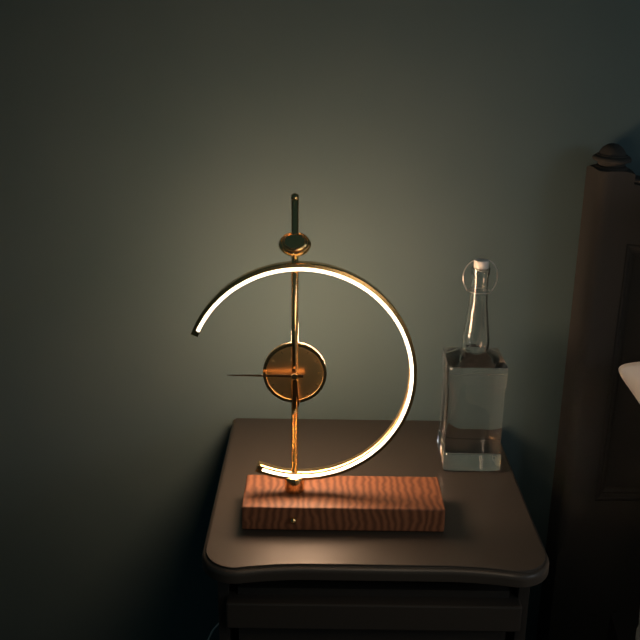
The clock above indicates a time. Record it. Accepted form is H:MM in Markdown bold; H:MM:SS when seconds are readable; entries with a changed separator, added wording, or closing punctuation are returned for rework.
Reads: **5:45**
